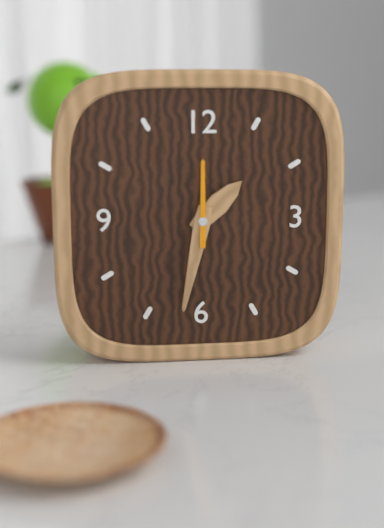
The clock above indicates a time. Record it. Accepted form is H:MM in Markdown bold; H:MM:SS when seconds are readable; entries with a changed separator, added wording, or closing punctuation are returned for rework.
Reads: **1:32:00**
